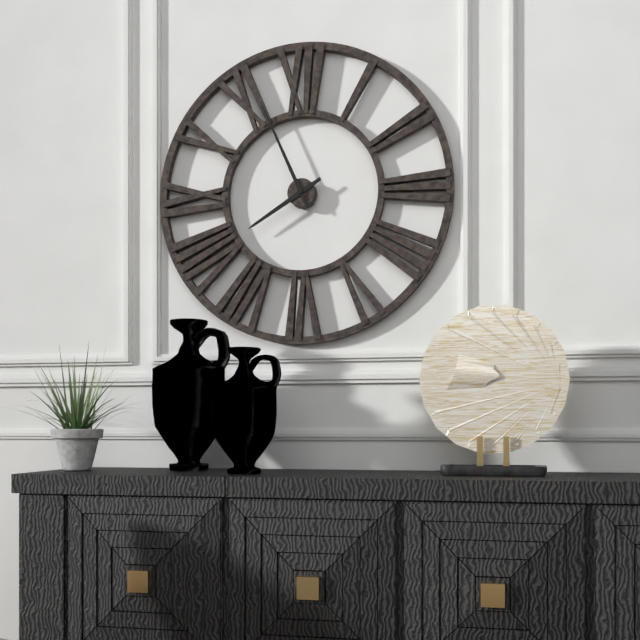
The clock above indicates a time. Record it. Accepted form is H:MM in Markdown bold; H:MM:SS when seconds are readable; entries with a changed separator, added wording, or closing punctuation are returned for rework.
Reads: **7:56**
